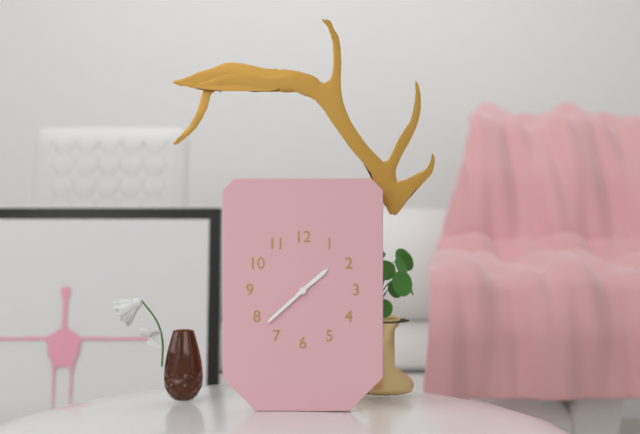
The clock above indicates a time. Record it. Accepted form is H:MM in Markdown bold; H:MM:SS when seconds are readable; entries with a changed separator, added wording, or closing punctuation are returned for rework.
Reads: **1:38**
